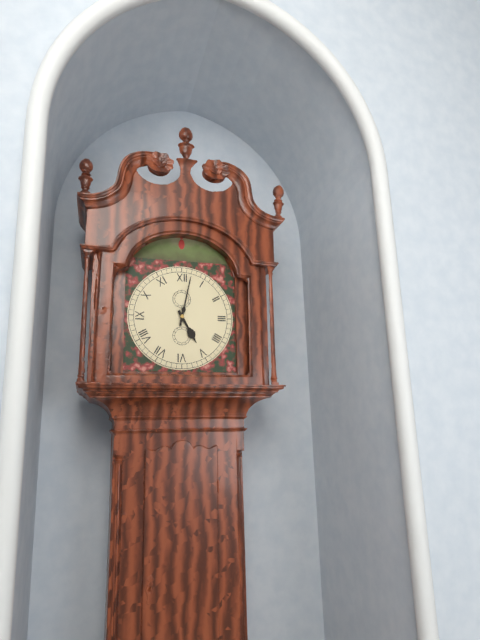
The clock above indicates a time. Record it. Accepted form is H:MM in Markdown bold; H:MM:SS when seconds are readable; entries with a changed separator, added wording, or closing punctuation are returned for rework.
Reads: **5:02**
